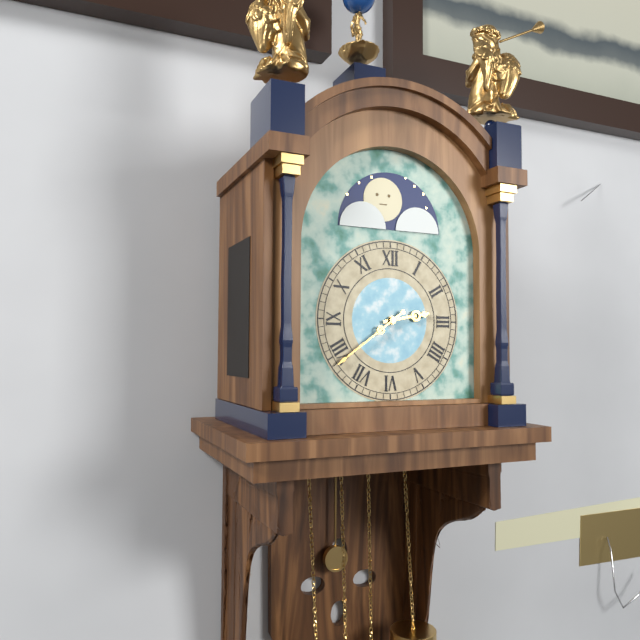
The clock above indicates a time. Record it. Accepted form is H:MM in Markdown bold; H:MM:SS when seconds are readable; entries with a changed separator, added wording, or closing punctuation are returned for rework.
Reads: **2:39**
